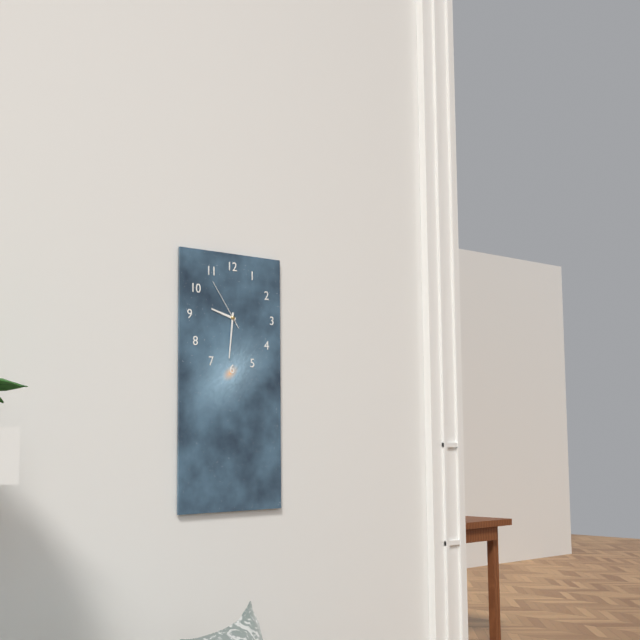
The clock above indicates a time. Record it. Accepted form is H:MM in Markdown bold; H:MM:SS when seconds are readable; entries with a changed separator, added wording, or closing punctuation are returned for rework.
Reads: **9:31:54**
